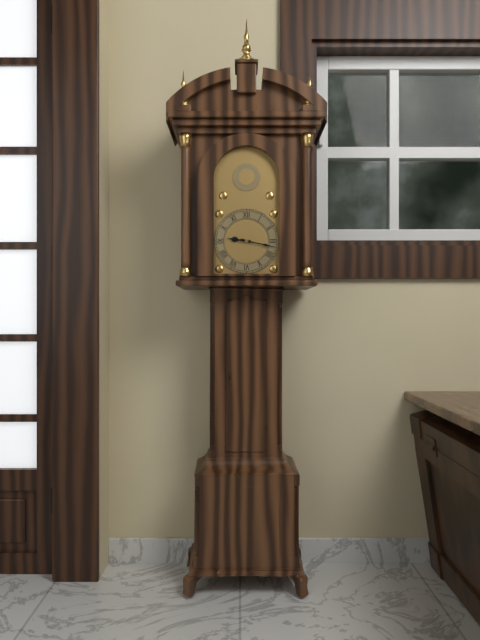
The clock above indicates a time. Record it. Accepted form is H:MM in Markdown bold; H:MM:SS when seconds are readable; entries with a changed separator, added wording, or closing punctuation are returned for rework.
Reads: **9:17**
